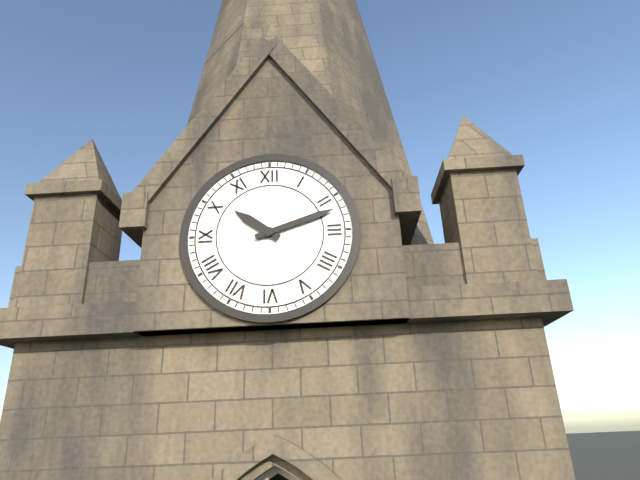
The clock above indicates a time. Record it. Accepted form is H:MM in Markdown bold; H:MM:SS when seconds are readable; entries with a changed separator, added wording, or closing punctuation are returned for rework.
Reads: **10:12**
